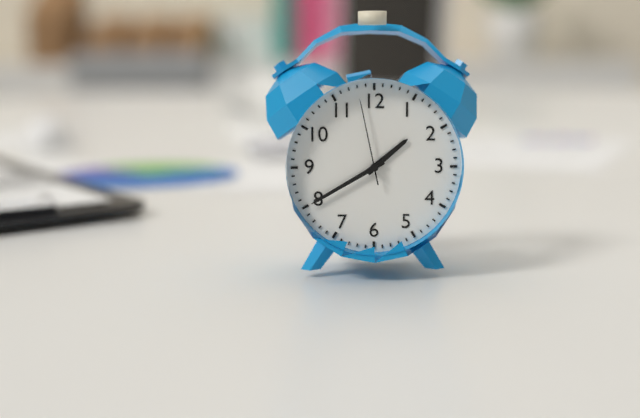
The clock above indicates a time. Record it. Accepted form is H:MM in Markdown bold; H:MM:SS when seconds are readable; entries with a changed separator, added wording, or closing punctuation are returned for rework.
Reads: **1:40:58**
